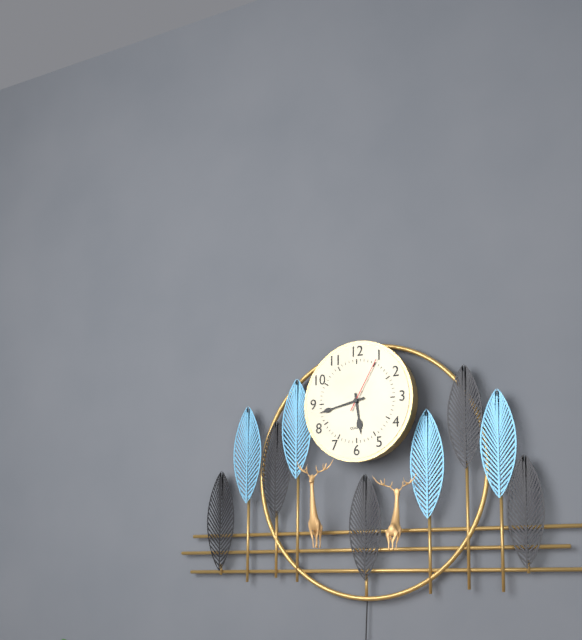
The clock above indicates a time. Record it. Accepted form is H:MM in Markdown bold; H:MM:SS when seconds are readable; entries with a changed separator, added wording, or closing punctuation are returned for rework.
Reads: **5:43:05**
